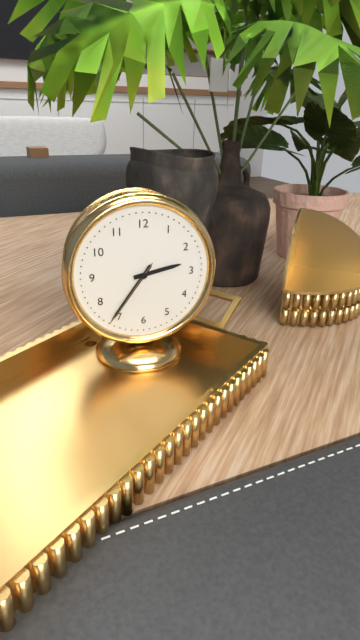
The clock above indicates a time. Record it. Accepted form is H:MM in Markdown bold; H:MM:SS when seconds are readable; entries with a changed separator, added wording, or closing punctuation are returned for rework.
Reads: **2:36:36**
